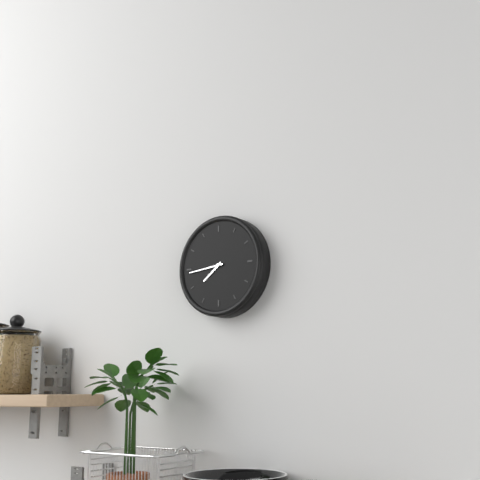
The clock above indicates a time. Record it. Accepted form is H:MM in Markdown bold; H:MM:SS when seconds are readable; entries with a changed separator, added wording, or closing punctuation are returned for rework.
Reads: **7:44**
